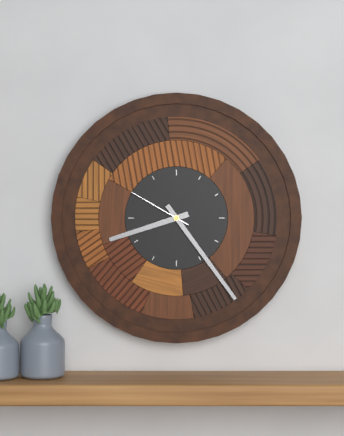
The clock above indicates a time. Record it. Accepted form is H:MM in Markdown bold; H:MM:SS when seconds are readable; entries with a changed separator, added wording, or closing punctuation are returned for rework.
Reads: **8:24:50**
